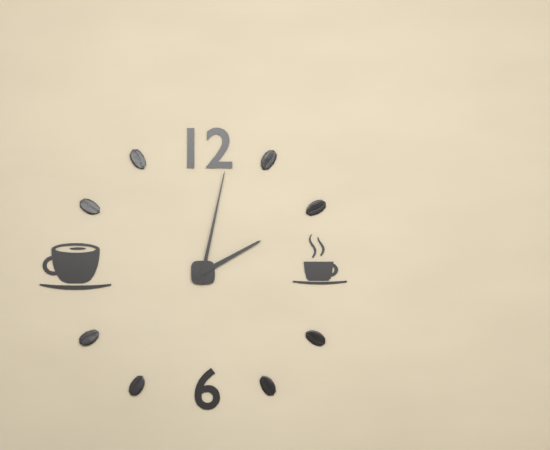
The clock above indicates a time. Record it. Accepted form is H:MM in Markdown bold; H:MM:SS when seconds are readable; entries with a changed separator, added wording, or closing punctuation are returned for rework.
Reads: **2:02**
